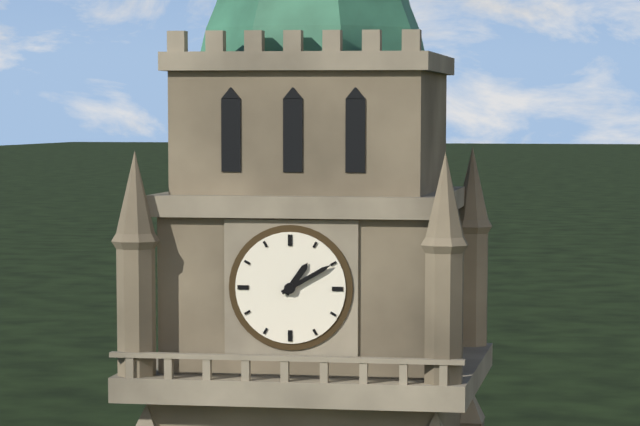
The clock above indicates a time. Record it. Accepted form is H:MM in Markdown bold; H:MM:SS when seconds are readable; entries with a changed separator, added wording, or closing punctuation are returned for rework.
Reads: **1:10**
